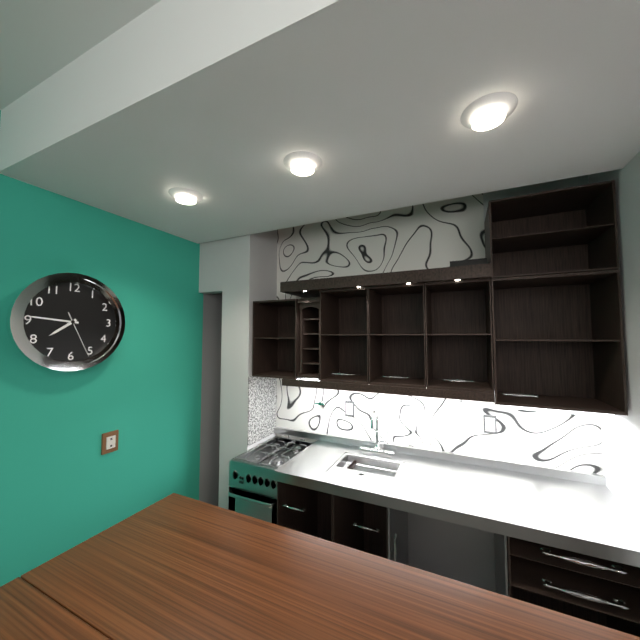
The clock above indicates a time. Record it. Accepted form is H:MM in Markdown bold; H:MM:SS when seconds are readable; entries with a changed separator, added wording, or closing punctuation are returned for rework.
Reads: **7:46**
